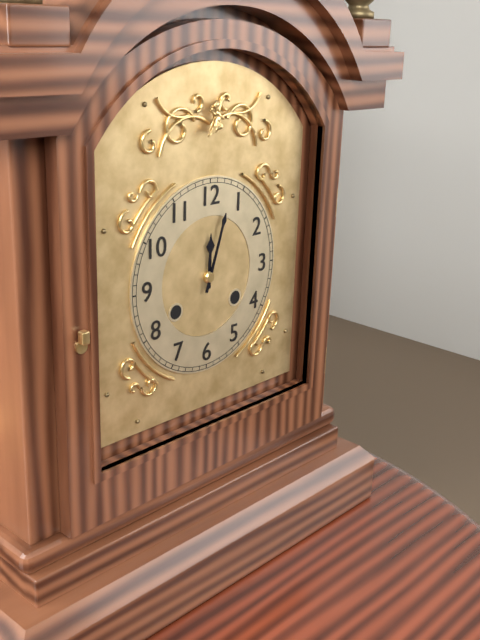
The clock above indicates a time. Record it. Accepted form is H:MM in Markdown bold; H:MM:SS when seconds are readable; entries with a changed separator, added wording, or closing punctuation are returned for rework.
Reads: **12:03**
